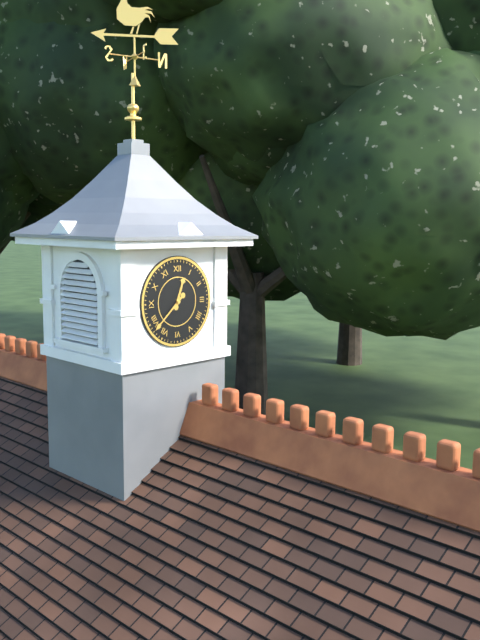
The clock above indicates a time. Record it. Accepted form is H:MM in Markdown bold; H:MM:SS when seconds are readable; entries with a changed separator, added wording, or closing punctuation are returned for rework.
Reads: **12:38**
